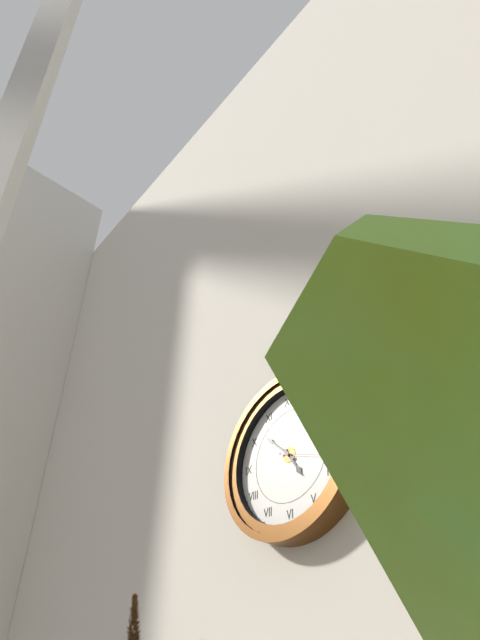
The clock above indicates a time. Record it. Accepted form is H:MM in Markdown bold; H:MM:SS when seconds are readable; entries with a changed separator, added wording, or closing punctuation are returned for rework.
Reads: **4:52**
